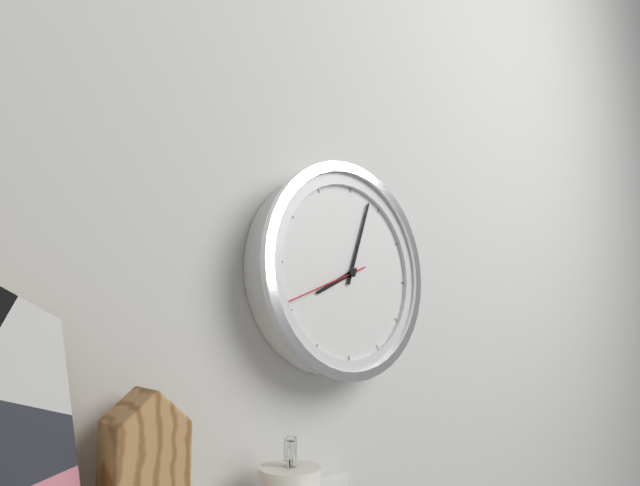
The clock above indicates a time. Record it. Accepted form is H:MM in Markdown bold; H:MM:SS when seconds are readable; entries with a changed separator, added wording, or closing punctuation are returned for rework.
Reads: **8:03:41**
